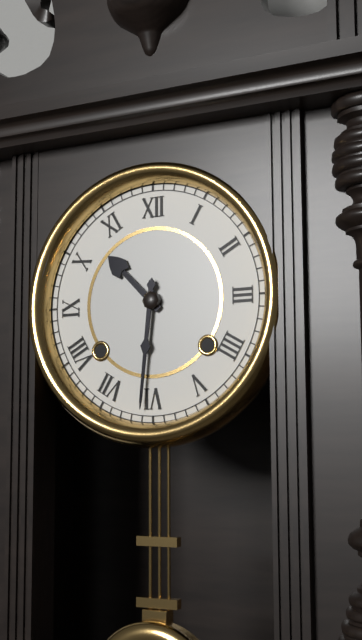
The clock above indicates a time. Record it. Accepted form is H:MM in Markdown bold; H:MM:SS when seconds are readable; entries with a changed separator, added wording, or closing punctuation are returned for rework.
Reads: **10:31**
